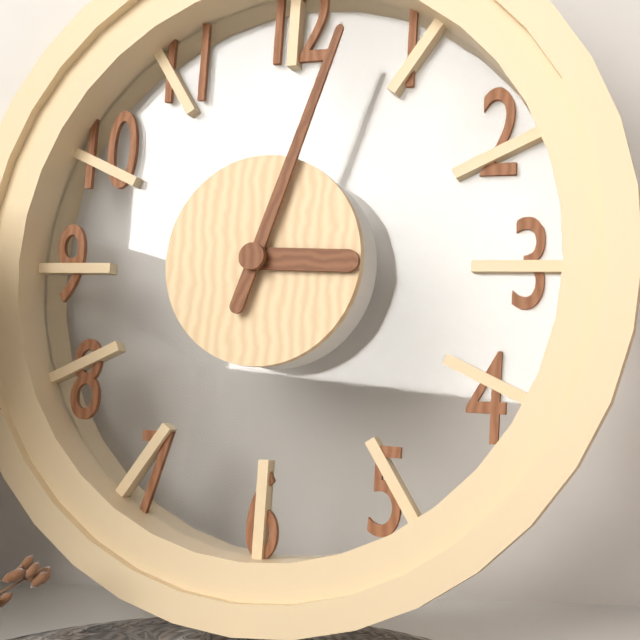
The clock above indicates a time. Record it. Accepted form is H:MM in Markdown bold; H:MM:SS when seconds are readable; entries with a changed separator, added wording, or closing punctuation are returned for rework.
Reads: **3:03**
